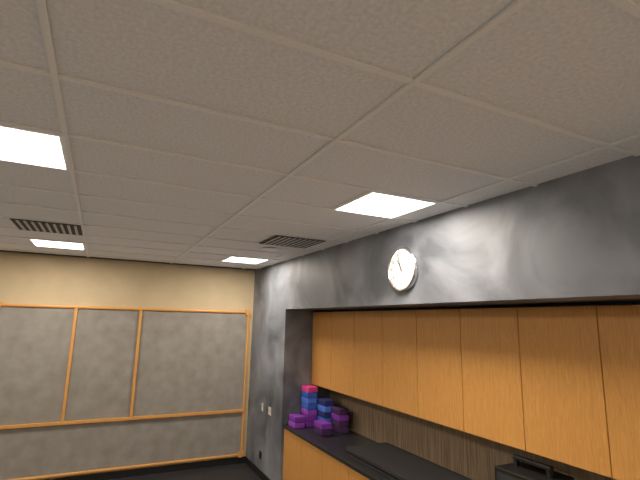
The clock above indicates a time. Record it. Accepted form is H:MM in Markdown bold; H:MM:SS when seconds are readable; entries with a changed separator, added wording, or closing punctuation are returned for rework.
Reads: **10:57**
